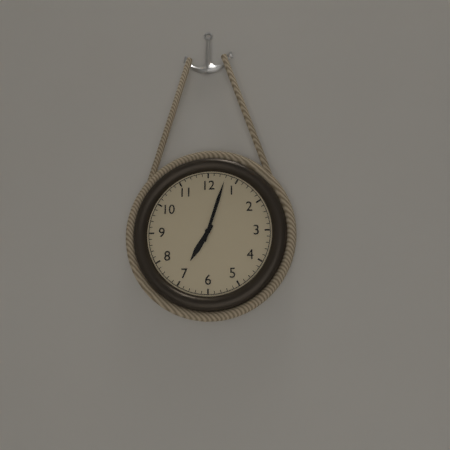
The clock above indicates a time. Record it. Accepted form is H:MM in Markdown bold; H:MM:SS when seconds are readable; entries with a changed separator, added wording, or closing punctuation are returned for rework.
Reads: **7:03**
